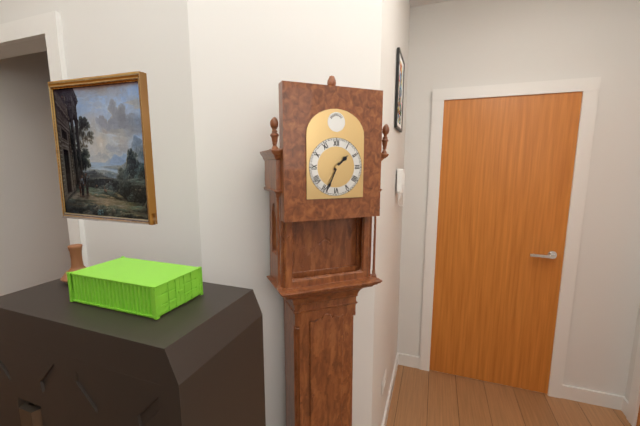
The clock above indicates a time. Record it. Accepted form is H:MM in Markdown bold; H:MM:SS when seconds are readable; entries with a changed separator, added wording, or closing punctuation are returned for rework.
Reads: **1:34**
